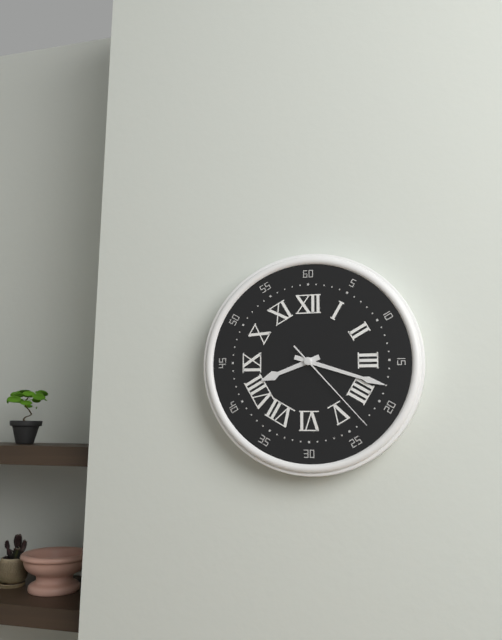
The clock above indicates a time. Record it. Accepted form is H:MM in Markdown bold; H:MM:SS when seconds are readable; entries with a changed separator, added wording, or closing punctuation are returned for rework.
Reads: **8:18:23**
